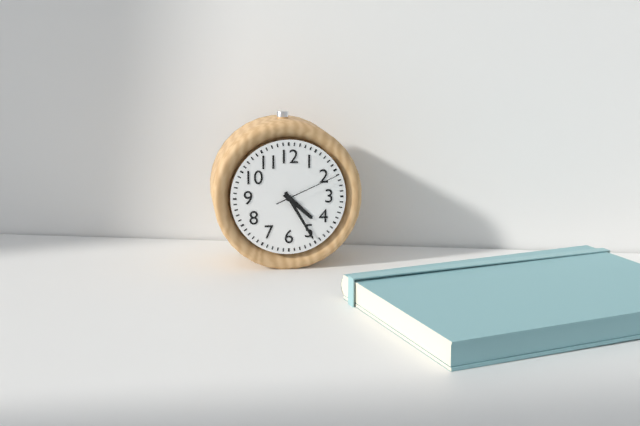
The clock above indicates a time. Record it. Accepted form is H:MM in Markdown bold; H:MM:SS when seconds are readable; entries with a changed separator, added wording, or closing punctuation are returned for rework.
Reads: **4:25:11**
